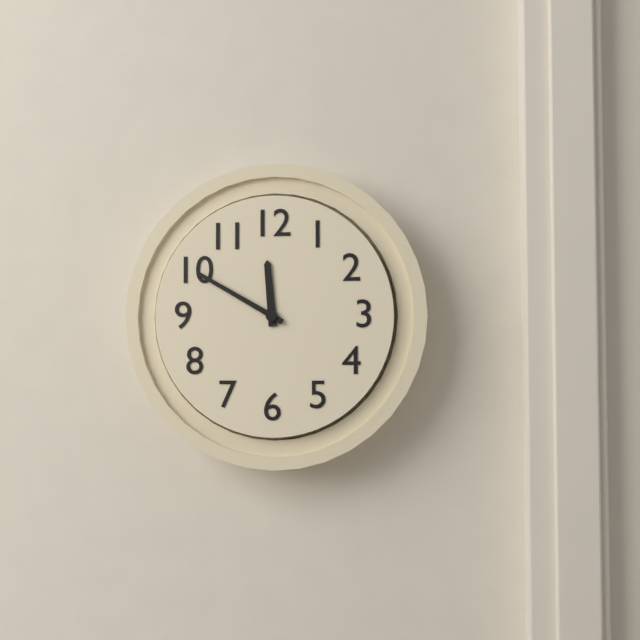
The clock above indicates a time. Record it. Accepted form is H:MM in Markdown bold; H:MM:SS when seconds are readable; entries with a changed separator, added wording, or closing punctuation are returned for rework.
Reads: **11:50**
